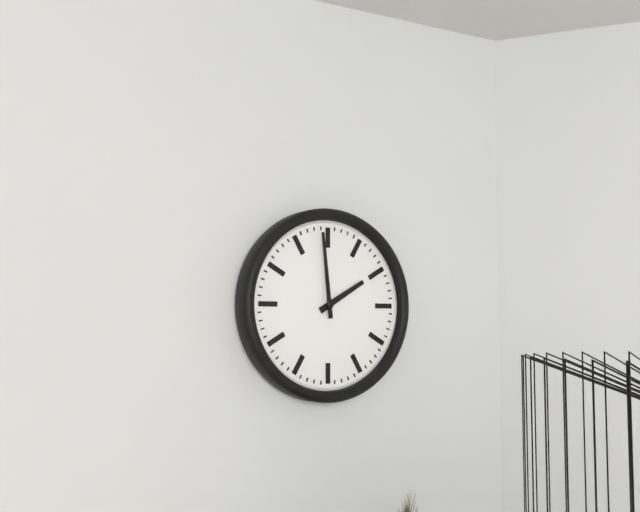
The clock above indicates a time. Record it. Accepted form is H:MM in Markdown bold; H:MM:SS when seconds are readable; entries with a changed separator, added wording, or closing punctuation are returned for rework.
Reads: **1:59**
